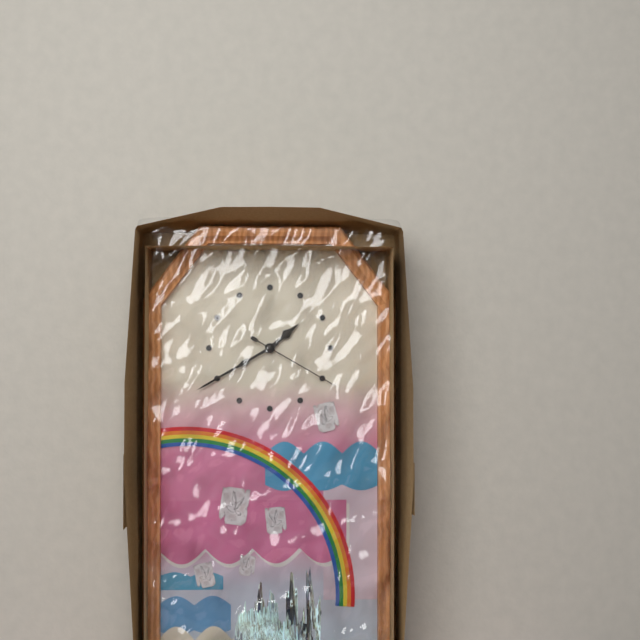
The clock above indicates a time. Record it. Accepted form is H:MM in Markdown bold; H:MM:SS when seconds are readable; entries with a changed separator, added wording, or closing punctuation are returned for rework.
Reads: **1:40:20**
